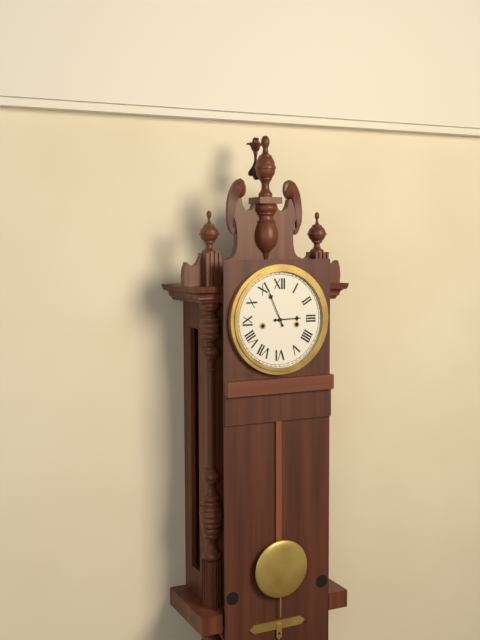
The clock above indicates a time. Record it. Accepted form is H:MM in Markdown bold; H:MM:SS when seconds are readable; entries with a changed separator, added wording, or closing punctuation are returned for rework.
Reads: **2:56**
